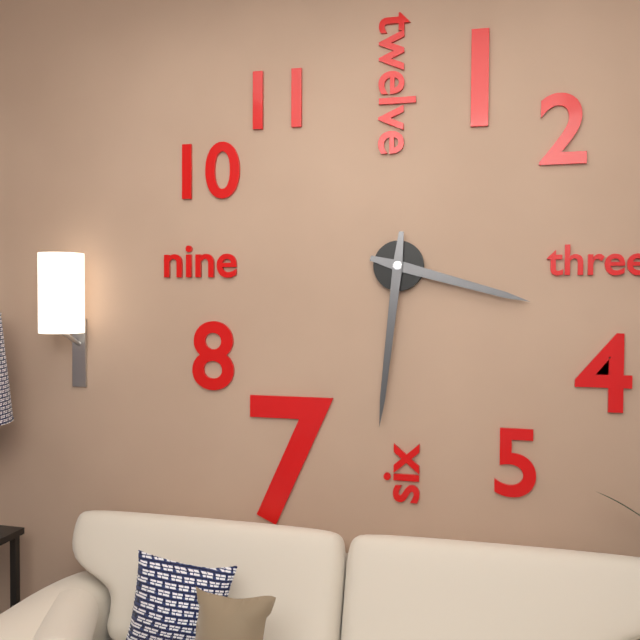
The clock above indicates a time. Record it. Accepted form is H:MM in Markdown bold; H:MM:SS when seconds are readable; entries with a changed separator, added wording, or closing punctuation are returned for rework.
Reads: **3:31**
